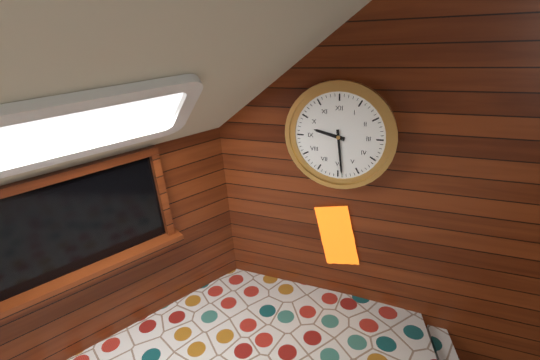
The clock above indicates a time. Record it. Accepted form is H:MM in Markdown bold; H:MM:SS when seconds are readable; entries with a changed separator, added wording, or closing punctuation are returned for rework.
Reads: **9:29**
